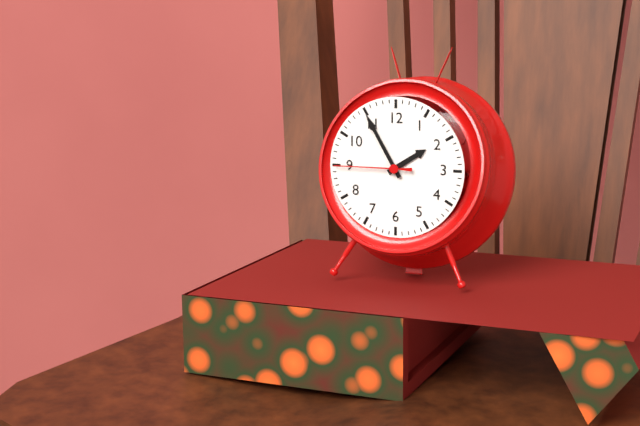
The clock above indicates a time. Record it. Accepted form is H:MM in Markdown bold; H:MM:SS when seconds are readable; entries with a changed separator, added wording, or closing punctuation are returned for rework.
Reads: **1:55:45**
